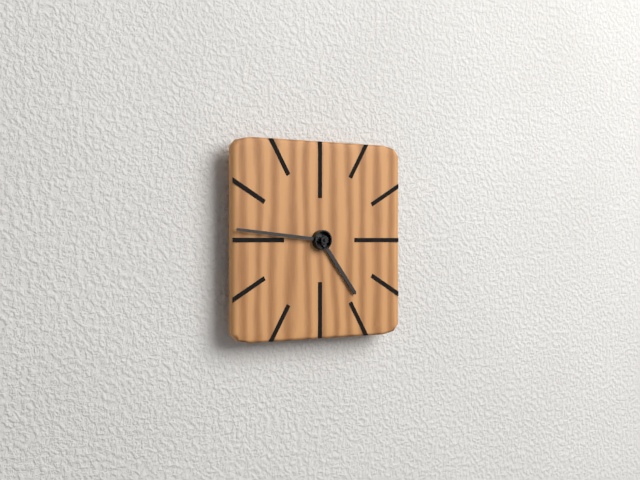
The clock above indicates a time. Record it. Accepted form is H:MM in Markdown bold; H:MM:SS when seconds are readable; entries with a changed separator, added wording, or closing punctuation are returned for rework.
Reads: **4:46**
